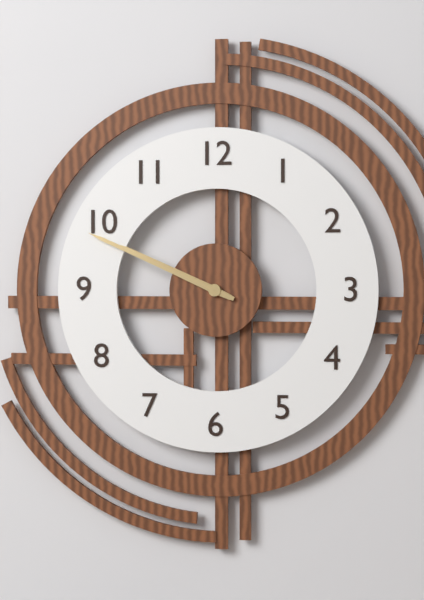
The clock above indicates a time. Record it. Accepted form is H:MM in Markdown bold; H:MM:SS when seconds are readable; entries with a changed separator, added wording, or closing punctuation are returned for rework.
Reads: **9:49**
